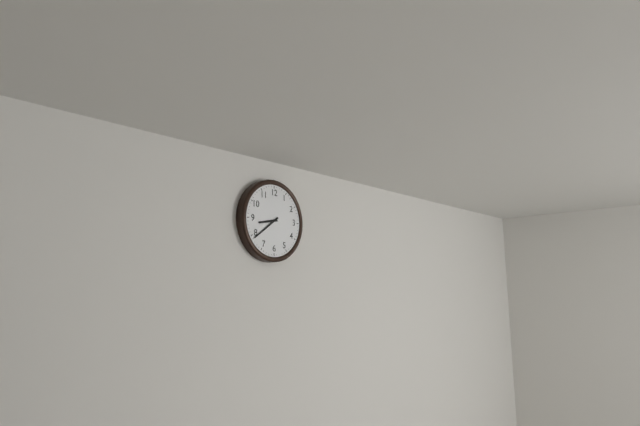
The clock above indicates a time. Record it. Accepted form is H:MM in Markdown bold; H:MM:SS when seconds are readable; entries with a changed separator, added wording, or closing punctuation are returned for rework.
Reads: **8:39**
